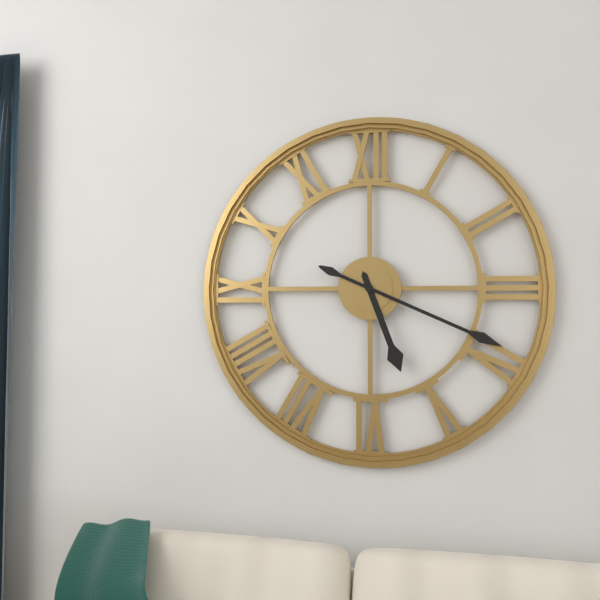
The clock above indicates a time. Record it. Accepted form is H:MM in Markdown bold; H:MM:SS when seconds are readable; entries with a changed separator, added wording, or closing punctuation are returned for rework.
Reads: **5:19**
